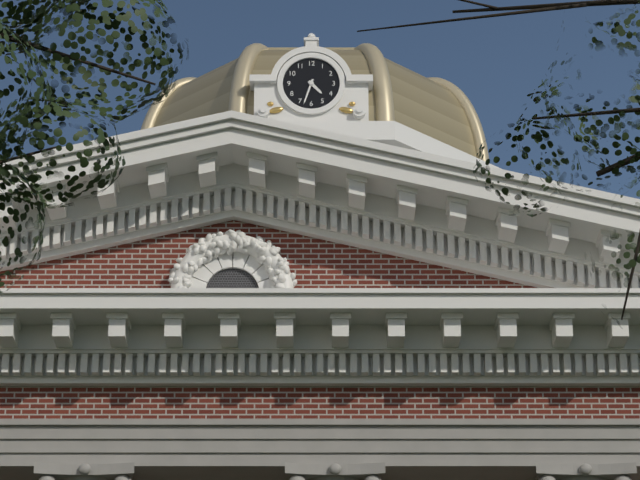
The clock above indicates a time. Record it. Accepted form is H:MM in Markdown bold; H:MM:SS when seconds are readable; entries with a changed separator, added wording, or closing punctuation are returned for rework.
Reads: **4:33**
